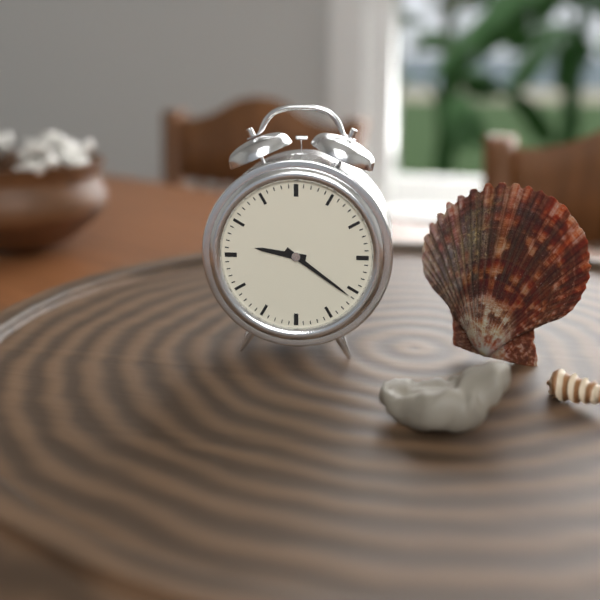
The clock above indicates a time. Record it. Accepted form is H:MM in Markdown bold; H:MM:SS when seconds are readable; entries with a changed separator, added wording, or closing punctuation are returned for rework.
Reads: **9:21**
